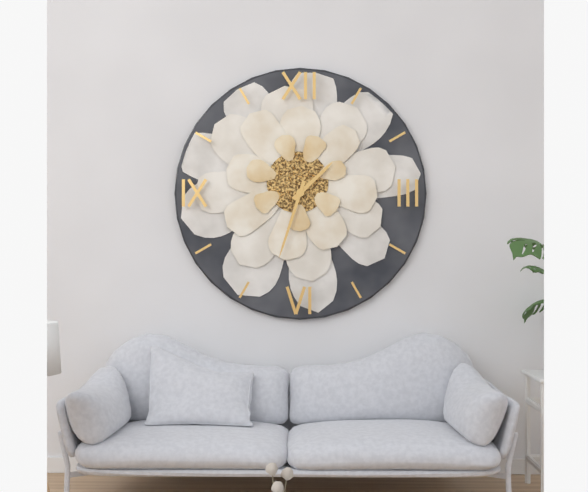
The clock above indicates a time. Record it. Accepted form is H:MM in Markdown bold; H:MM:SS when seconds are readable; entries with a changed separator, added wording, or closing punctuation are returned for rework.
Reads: **1:33**
